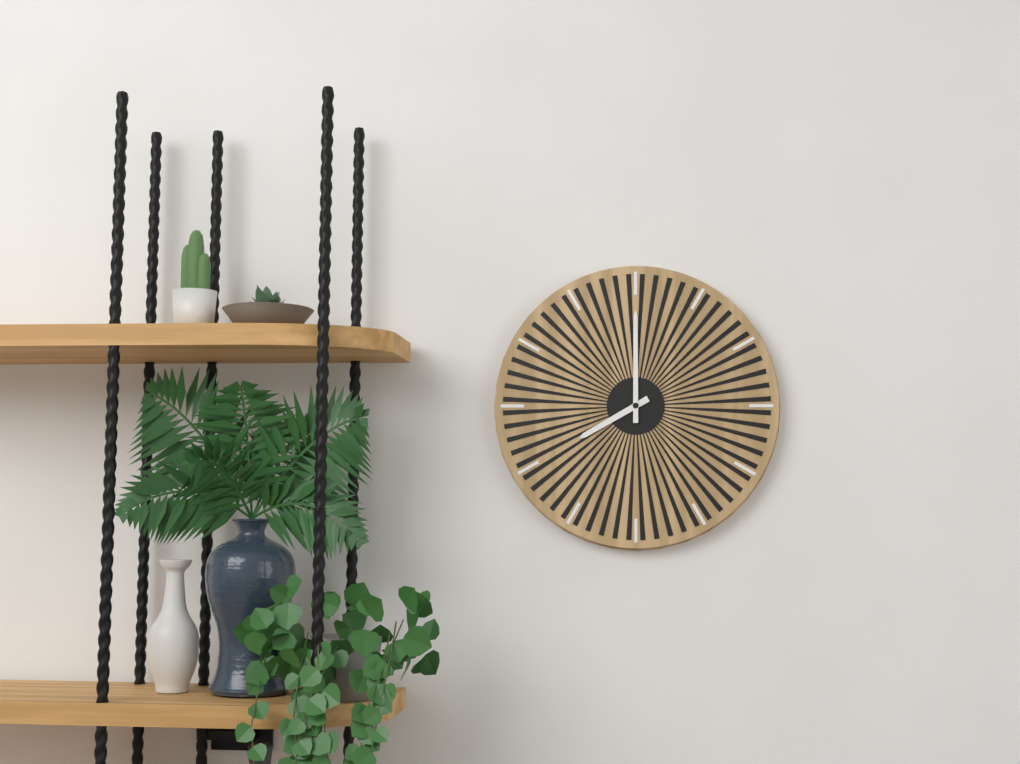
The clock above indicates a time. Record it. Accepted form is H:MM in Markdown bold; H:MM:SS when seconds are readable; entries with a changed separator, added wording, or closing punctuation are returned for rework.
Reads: **8:00**
